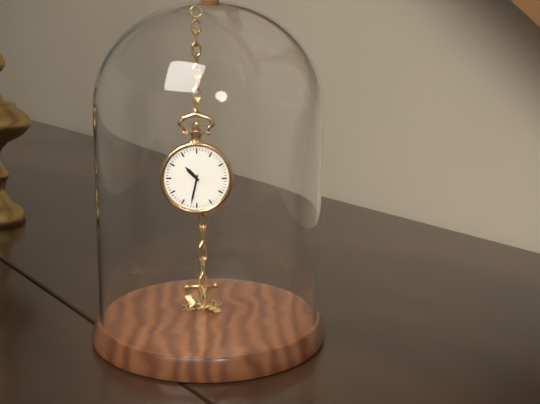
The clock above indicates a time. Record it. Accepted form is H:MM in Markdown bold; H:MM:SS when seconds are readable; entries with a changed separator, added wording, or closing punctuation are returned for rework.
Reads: **10:32**
